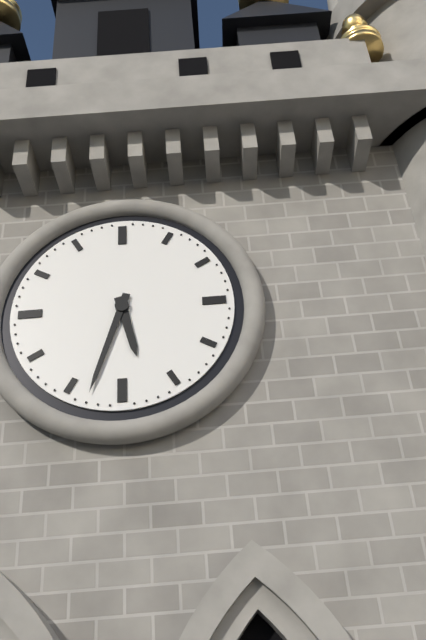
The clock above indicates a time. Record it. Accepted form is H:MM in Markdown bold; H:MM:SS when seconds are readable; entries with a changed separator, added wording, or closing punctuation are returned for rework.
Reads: **5:33**
